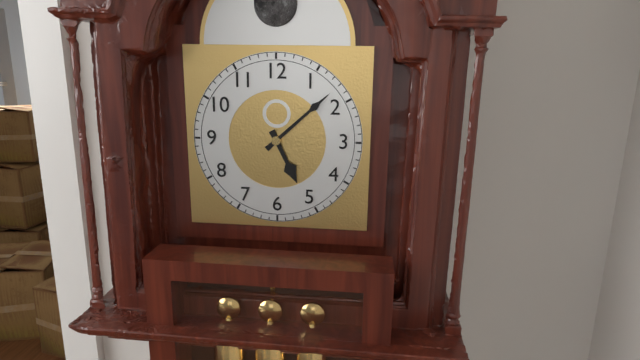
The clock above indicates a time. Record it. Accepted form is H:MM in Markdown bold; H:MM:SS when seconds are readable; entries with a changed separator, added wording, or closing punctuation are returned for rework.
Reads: **5:08**
